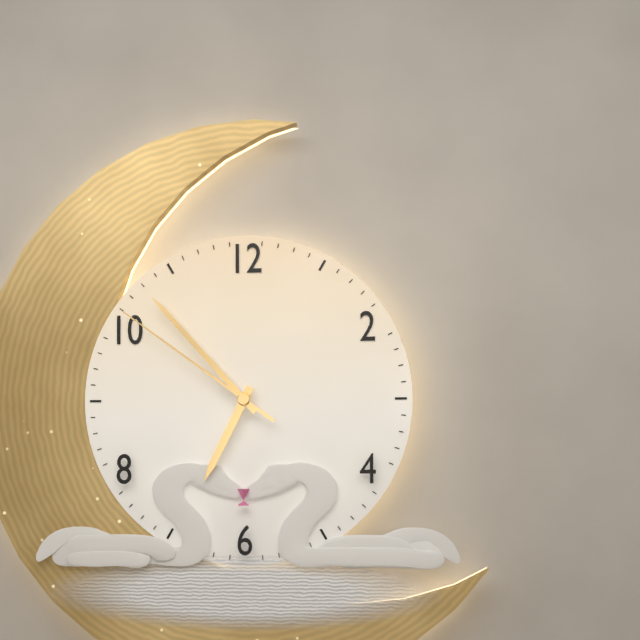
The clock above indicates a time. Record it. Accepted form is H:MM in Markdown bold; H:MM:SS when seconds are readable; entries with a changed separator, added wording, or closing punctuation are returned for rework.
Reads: **6:53:51**
